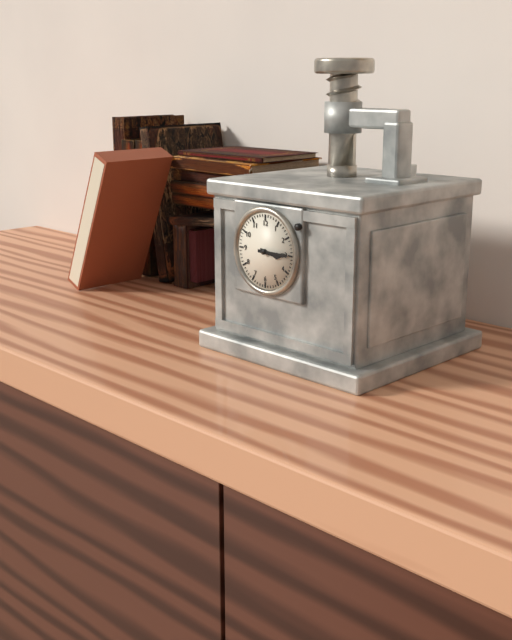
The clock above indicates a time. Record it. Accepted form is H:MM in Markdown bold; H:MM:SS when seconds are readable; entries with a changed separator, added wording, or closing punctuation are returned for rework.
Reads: **3:15**
